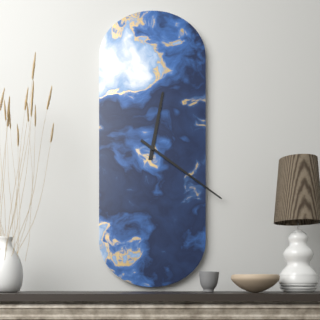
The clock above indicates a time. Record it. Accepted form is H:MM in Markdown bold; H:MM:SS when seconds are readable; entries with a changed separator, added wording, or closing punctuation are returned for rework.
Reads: **12:21**
